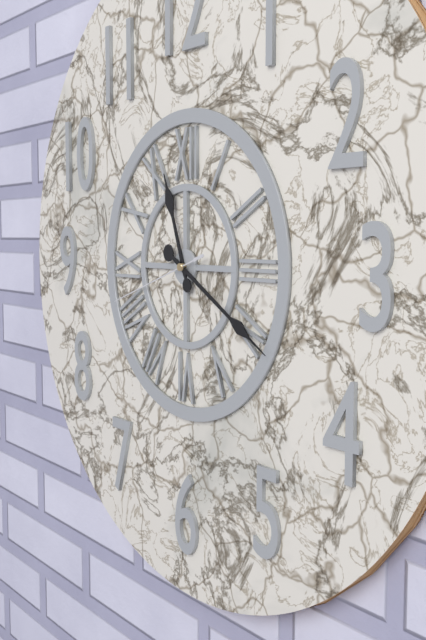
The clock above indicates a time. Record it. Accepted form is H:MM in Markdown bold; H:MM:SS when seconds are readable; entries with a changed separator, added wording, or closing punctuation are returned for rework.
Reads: **11:20:42**
